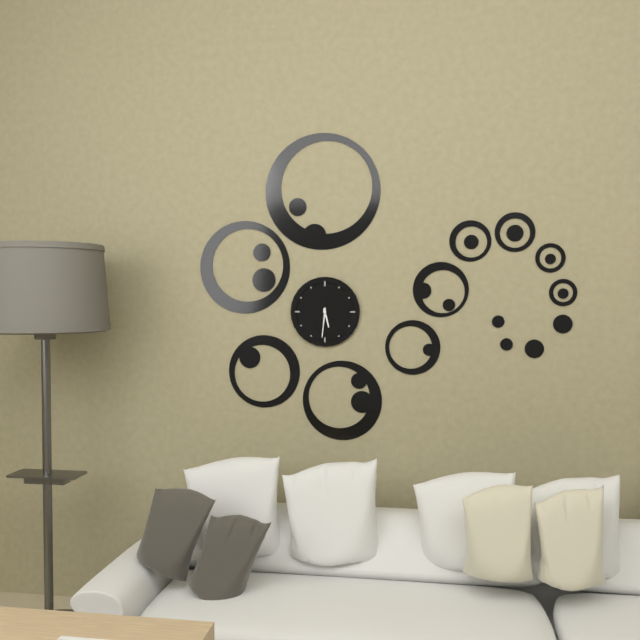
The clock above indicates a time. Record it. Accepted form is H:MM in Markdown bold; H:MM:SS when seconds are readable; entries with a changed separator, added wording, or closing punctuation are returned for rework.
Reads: **5:31**
